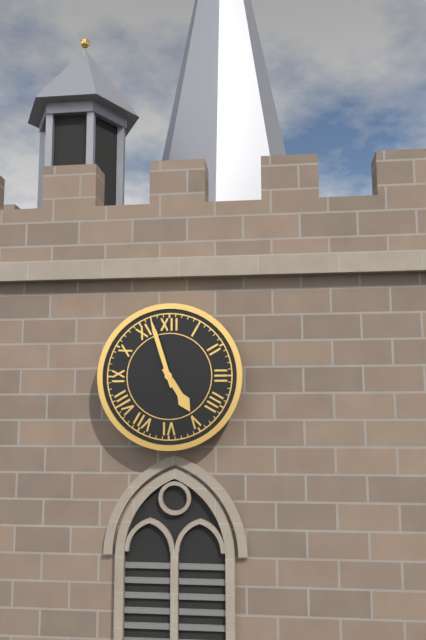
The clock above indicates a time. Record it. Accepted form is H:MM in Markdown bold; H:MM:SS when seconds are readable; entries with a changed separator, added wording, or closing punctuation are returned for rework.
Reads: **4:57**
